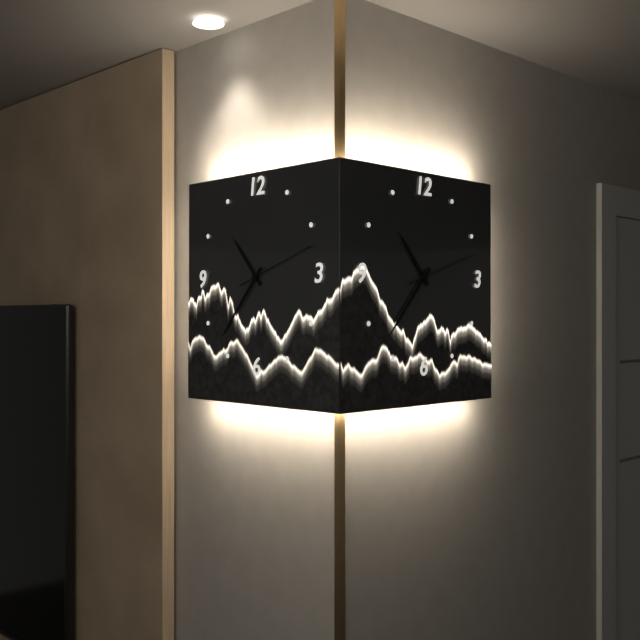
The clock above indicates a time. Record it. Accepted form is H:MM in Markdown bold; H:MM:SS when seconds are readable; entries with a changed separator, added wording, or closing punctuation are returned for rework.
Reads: **10:37:12**
